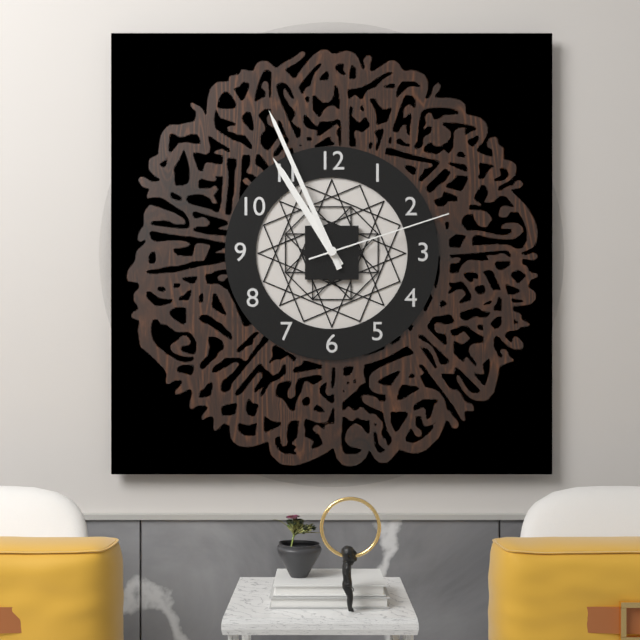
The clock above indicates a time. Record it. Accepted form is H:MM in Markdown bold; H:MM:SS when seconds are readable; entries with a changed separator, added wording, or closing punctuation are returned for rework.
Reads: **10:56:12**
